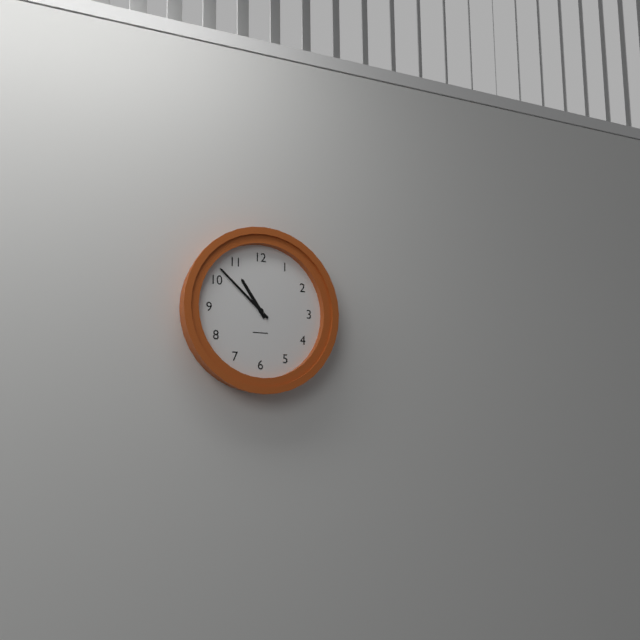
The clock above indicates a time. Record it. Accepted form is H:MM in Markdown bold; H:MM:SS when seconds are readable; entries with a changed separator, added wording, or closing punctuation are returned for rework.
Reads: **10:52**
